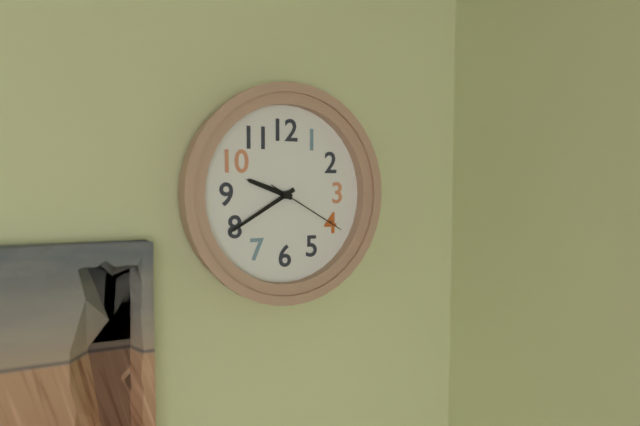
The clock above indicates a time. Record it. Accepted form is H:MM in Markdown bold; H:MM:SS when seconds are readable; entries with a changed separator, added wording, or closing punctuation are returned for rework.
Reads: **9:40:20**
